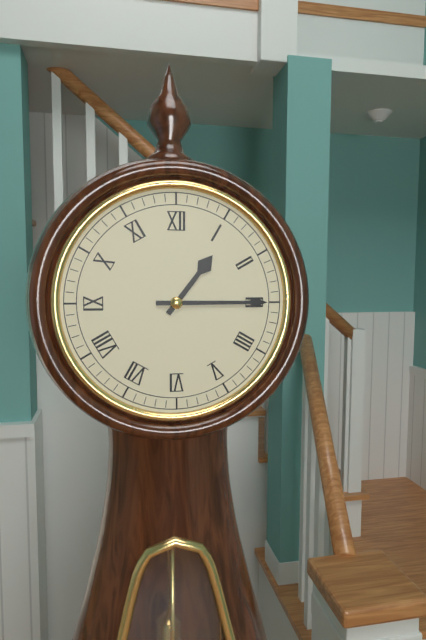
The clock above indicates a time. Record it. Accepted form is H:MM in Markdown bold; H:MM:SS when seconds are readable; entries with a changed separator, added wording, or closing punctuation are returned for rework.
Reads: **1:15**
